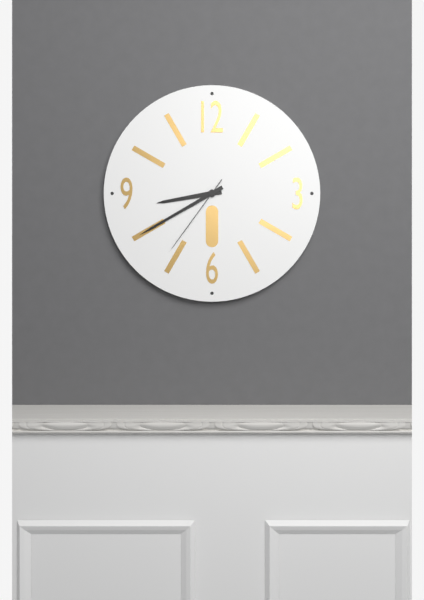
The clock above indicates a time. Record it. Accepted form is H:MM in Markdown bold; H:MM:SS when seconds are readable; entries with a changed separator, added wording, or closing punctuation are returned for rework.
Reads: **8:40:36**
